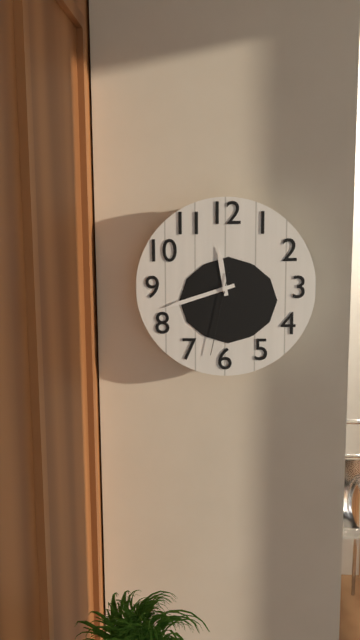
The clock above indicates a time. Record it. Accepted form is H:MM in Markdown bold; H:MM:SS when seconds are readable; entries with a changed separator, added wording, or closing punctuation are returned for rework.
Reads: **11:42:32**
